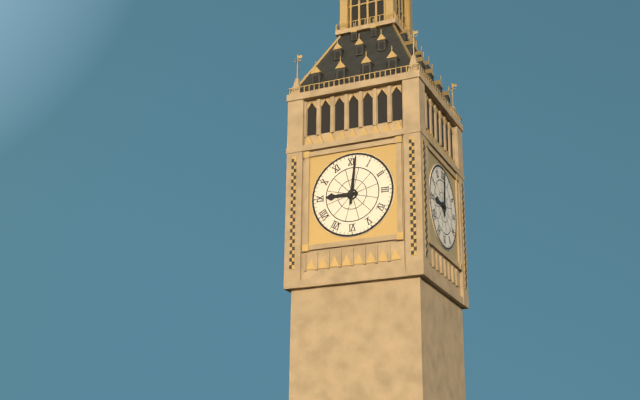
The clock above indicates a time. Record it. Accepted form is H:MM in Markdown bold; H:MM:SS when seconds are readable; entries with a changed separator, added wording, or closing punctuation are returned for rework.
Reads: **9:01**
